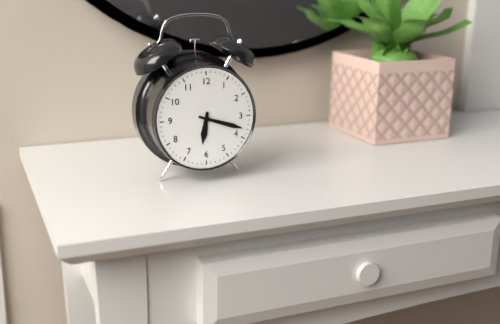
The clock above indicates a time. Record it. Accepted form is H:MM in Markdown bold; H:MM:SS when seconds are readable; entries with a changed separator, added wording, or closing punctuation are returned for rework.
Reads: **6:18**
